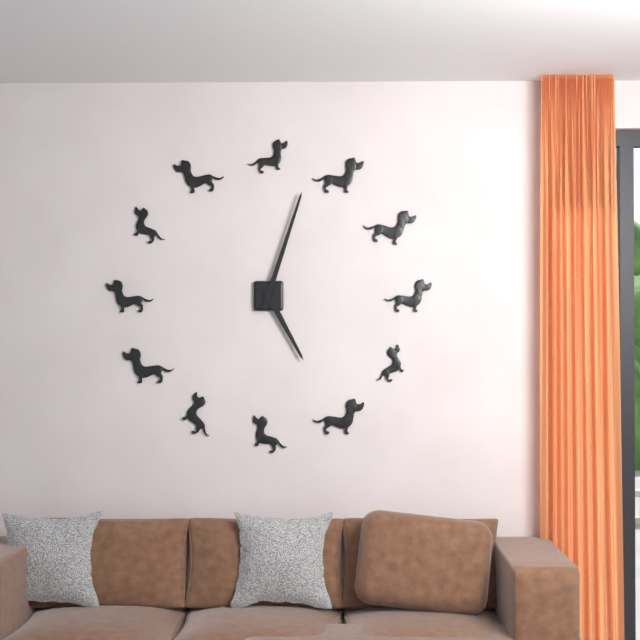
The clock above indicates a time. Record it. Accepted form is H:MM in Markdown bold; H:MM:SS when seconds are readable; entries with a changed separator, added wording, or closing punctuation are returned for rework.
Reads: **5:03**
